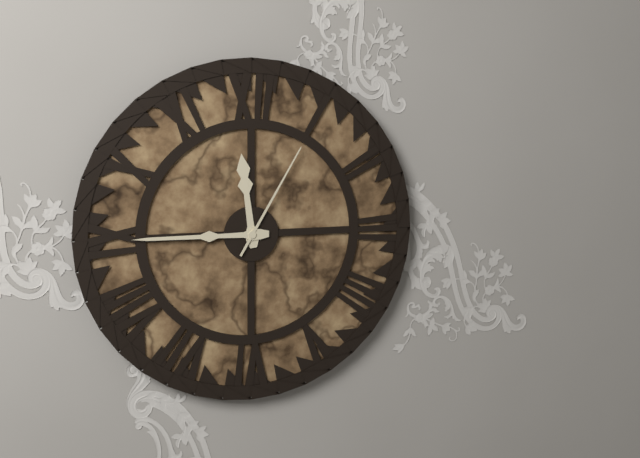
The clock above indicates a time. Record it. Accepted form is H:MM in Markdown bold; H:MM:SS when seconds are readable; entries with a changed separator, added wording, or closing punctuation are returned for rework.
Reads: **11:45:05**
